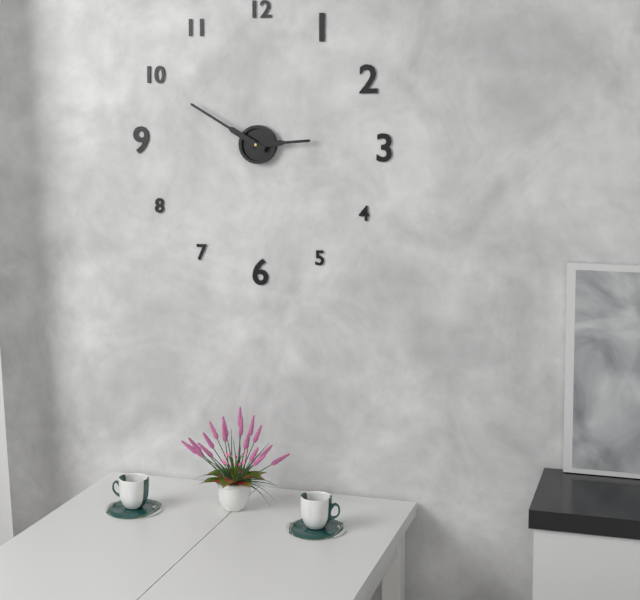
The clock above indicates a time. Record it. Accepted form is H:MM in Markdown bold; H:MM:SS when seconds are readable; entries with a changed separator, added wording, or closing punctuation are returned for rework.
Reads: **2:50**
